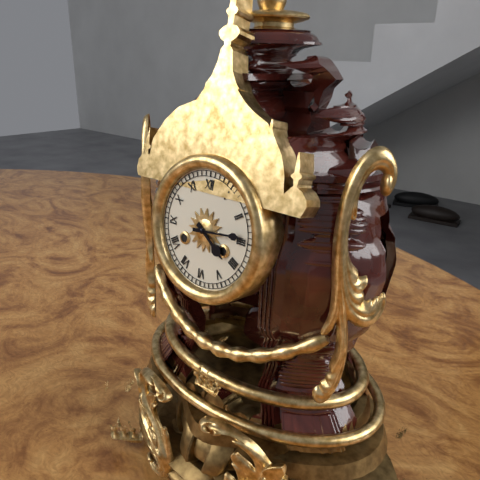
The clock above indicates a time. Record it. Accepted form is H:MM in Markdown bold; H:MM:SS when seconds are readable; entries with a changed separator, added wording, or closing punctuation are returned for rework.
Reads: **4:14**
